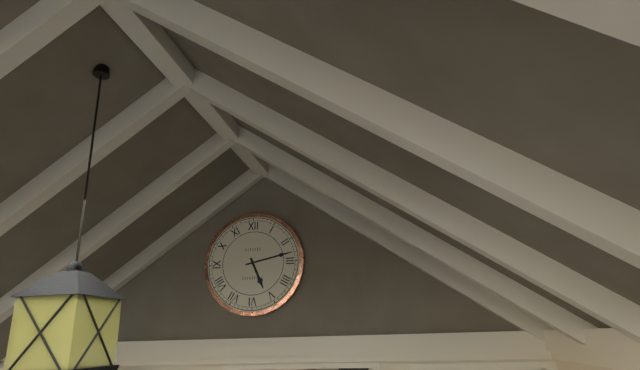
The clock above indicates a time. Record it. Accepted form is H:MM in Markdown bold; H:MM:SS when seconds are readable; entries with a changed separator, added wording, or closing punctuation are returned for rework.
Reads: **5:13**
